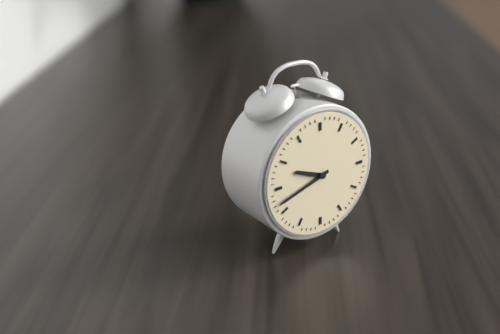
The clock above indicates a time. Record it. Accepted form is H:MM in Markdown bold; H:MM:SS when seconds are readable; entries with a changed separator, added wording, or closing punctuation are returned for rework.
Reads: **9:42**
